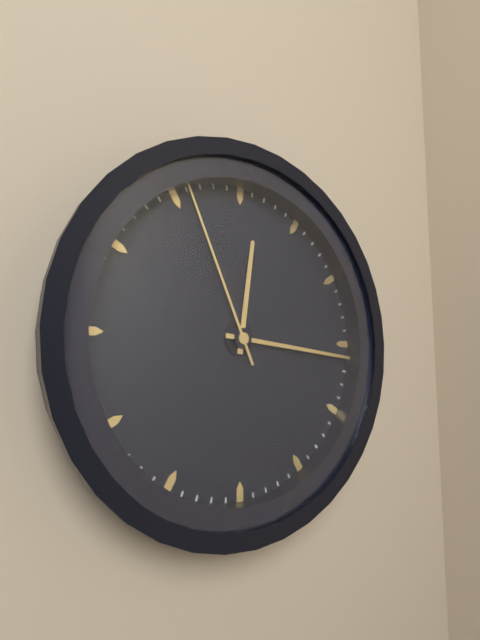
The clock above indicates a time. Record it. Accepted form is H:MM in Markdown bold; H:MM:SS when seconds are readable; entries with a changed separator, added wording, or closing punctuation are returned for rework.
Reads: **12:16:56**
